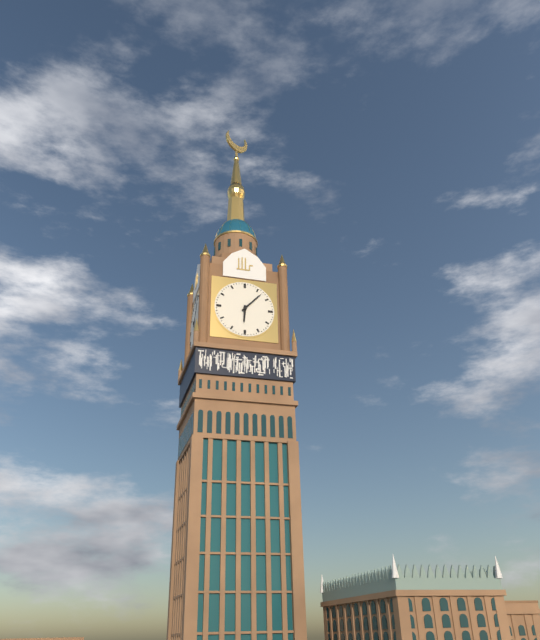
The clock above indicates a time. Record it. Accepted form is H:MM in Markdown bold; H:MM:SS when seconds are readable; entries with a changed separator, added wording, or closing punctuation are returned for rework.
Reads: **6:07**
